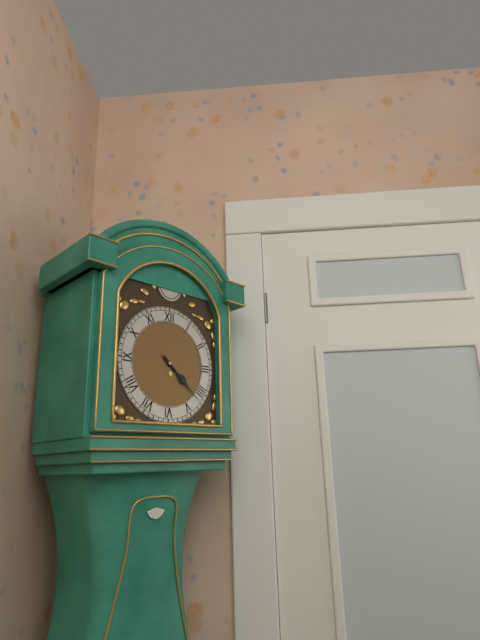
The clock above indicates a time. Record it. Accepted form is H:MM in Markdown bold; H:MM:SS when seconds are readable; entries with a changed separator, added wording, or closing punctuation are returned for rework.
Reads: **4:22**
